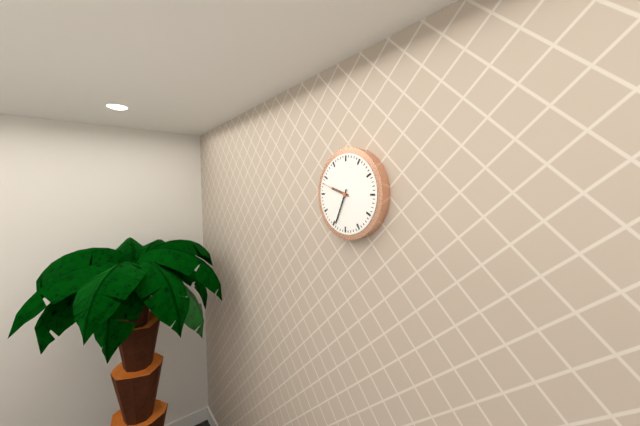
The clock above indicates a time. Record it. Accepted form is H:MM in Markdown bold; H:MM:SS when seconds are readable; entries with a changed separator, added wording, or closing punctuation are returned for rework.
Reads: **9:34**
